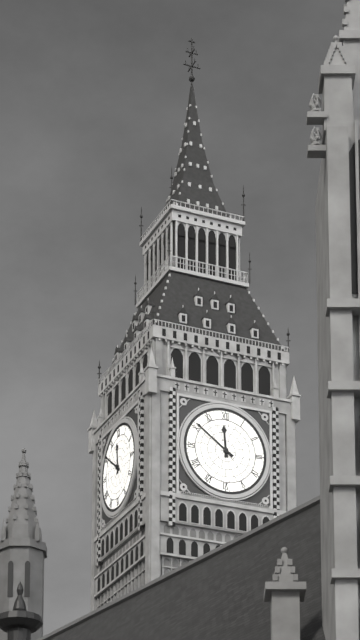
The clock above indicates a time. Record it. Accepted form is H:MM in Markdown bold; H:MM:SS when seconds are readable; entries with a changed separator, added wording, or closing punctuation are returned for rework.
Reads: **11:51**
